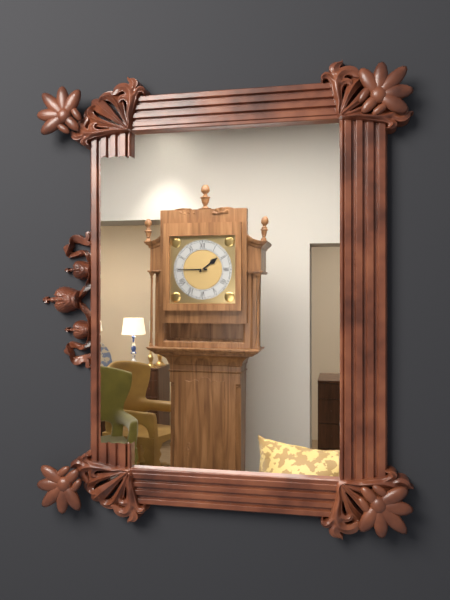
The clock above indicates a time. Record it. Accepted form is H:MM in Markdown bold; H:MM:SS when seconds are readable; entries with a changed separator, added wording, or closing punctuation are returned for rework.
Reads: **1:45**
